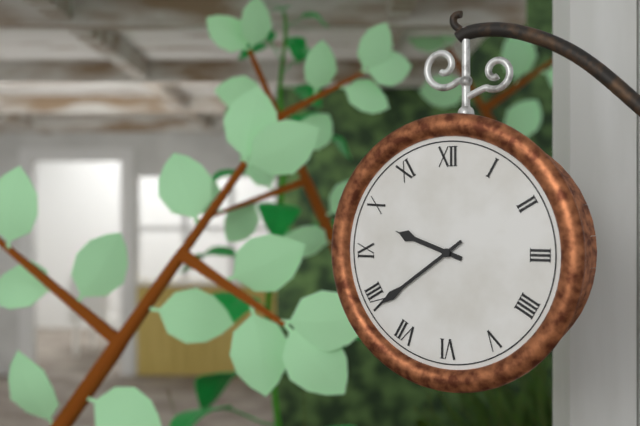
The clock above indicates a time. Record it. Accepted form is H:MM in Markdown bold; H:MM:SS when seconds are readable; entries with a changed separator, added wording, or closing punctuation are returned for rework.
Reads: **9:39**
